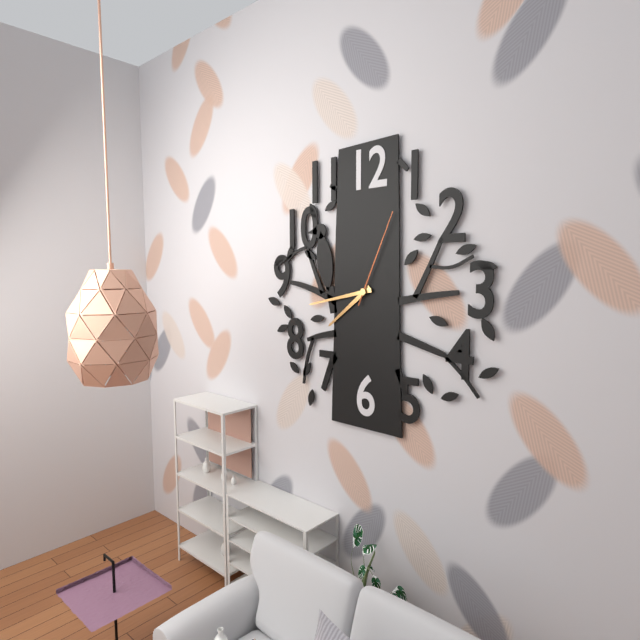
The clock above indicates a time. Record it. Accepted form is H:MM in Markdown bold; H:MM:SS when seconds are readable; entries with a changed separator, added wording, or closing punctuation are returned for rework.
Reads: **7:43:04**
